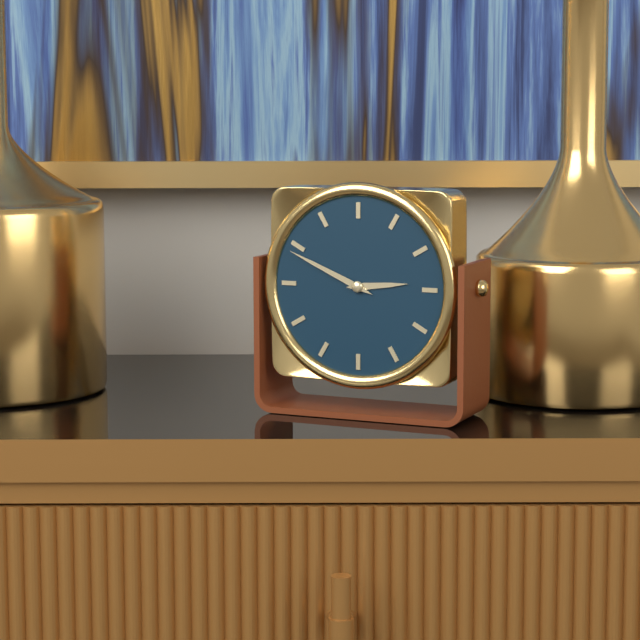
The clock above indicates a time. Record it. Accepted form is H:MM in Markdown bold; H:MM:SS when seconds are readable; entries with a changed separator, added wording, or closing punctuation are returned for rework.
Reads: **2:49**
